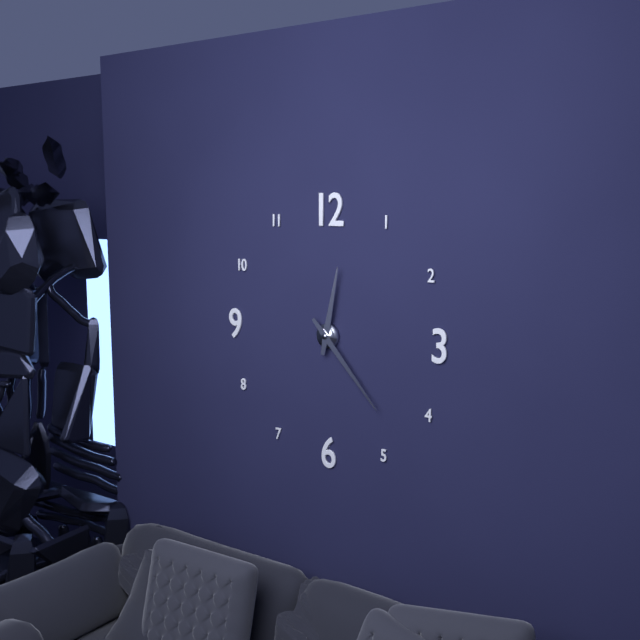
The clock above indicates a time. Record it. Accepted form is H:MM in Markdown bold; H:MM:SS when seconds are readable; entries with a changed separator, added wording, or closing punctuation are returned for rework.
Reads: **12:23**
